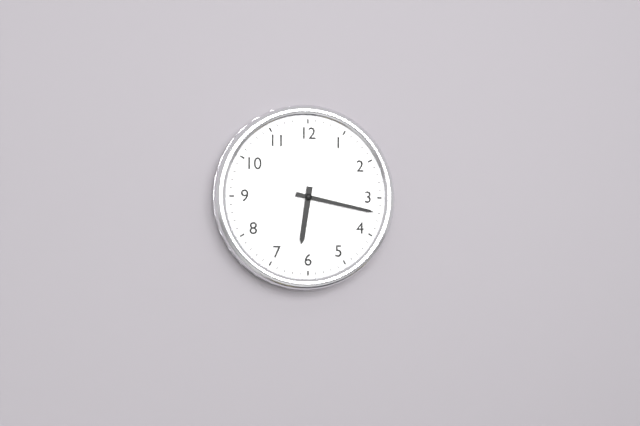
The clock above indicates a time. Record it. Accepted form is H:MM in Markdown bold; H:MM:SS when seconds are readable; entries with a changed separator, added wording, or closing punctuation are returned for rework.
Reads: **6:17**
